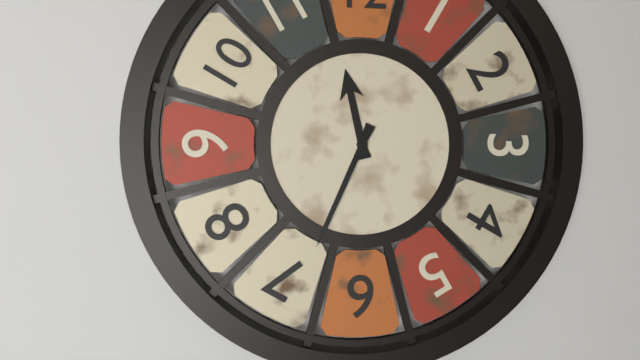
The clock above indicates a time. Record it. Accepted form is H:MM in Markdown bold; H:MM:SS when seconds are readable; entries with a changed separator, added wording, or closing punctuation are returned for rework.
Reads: **11:34**
